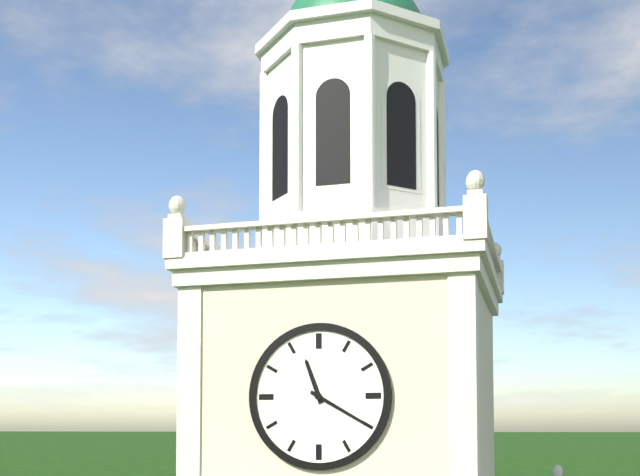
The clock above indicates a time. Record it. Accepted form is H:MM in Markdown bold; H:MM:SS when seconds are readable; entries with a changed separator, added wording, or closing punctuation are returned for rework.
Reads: **11:20**
